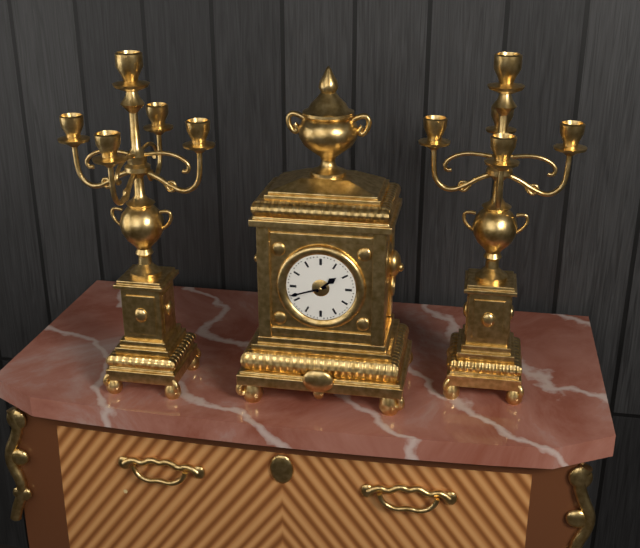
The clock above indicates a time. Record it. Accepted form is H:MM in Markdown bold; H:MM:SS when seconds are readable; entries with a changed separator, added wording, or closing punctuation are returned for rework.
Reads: **1:42**
